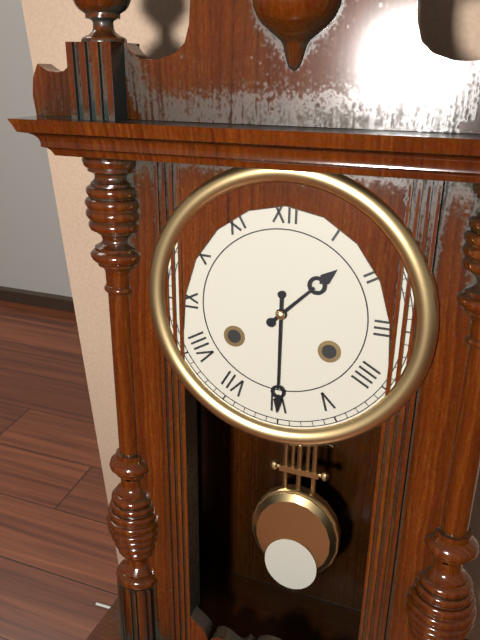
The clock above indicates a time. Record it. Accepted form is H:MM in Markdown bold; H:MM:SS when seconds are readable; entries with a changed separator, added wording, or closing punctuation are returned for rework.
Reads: **1:30**
